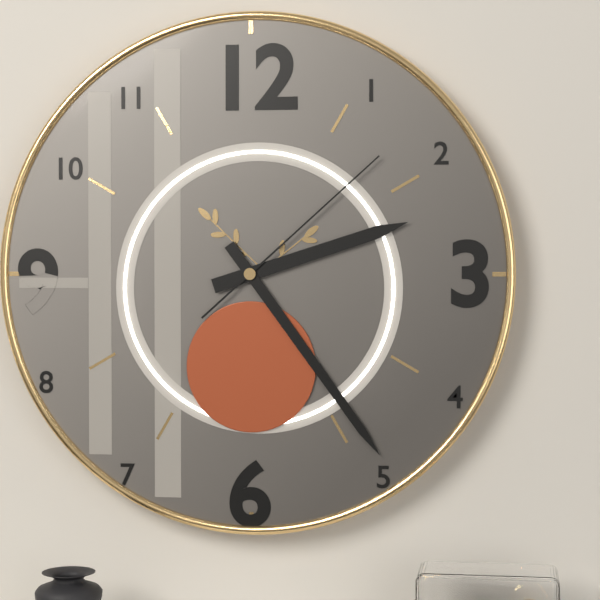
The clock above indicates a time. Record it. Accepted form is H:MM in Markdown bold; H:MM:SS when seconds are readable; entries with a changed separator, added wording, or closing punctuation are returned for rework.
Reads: **2:24:08**
